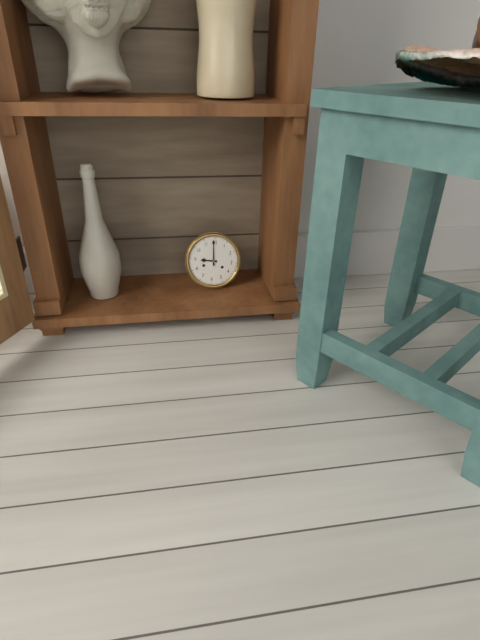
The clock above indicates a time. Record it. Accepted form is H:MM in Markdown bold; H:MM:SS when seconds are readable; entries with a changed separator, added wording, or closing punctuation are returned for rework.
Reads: **8:59**
